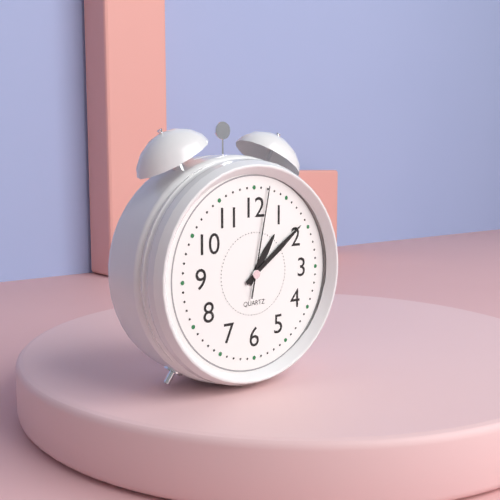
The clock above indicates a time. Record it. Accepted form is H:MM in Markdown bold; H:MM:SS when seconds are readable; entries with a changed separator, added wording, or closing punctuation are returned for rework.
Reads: **1:09:02**
